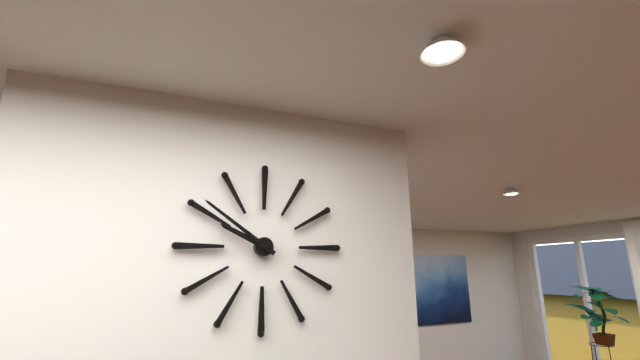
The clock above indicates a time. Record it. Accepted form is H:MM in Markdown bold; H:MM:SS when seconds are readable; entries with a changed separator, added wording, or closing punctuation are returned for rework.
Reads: **9:51**
